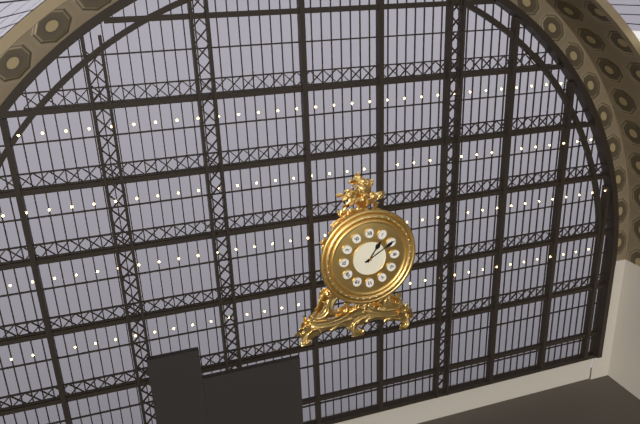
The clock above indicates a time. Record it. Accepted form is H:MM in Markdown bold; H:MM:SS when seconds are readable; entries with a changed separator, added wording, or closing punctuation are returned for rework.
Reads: **1:10**
